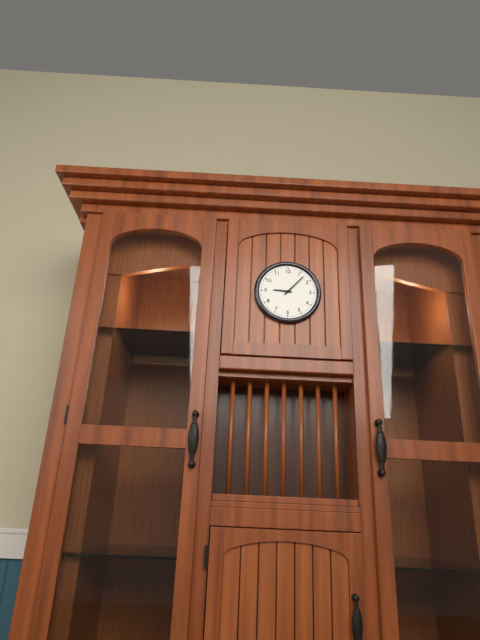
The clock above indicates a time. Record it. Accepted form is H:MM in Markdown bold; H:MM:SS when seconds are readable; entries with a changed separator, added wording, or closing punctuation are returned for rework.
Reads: **9:07**
